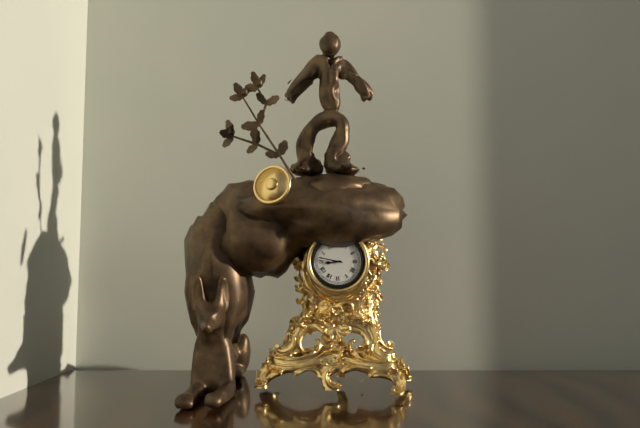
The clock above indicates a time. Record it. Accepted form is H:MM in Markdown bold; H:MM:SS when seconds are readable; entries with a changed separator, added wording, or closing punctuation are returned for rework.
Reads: **8:47**
